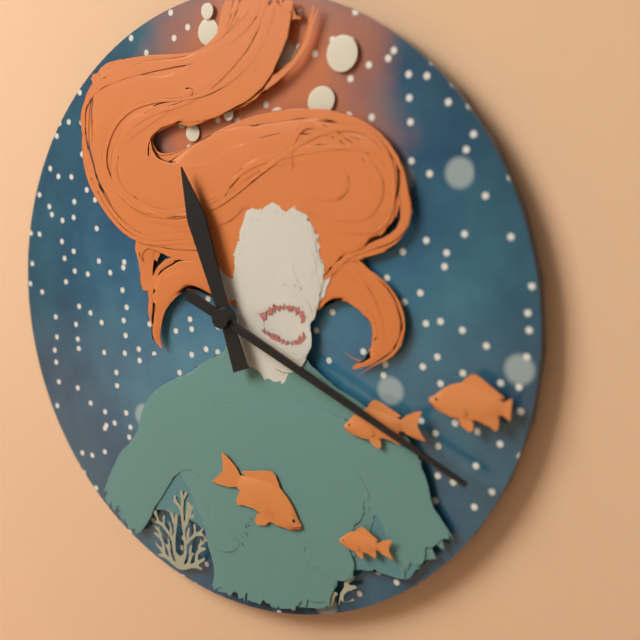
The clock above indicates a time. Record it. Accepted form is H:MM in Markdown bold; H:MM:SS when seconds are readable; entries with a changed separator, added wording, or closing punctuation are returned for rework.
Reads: **11:19**
